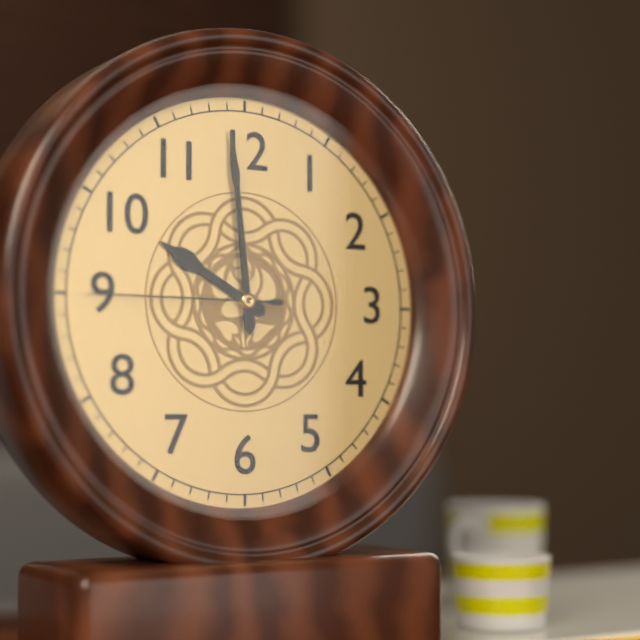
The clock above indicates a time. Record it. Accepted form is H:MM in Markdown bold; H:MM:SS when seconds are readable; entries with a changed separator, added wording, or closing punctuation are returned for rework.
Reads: **9:59:45**
